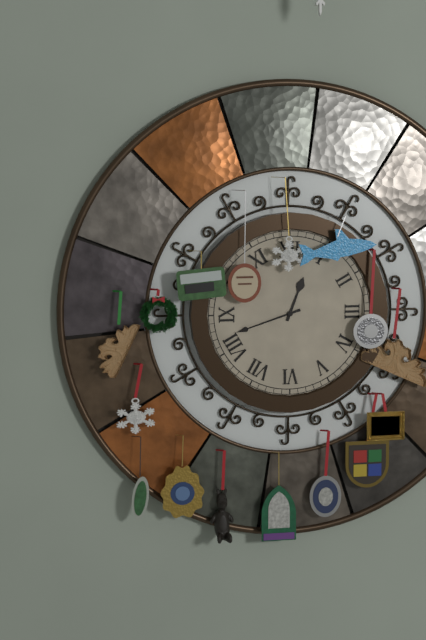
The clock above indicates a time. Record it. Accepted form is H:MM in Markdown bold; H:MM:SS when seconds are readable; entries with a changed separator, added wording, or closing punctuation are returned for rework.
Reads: **12:42**
